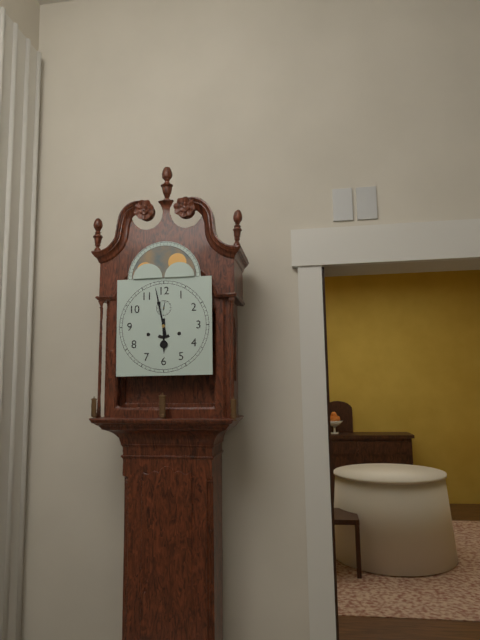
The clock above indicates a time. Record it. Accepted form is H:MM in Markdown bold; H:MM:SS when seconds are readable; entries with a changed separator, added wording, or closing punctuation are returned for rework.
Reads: **5:58**
